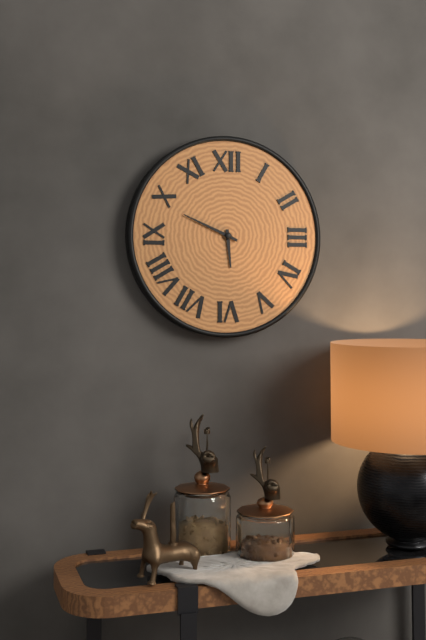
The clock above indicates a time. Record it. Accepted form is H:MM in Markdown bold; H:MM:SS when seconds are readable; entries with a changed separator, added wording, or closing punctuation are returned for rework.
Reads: **5:49**
